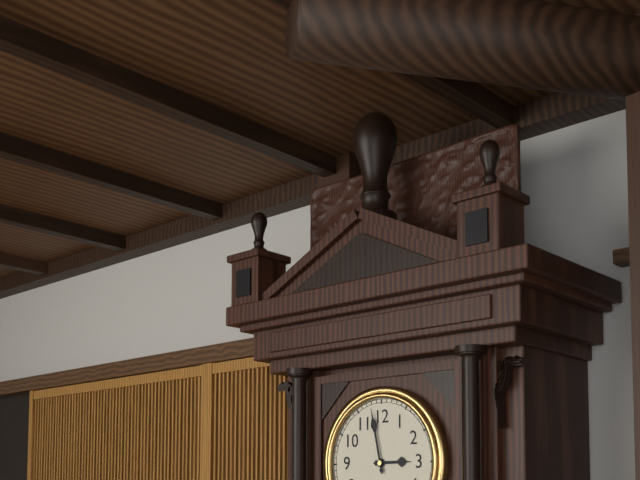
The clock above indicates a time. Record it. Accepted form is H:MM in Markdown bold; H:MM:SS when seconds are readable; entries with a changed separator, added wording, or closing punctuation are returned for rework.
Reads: **2:58**
